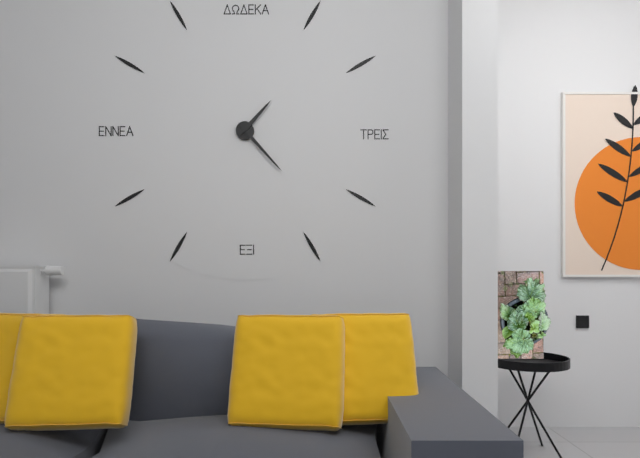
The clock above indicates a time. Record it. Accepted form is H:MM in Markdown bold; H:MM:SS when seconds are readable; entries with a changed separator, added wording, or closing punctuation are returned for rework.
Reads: **1:23**
